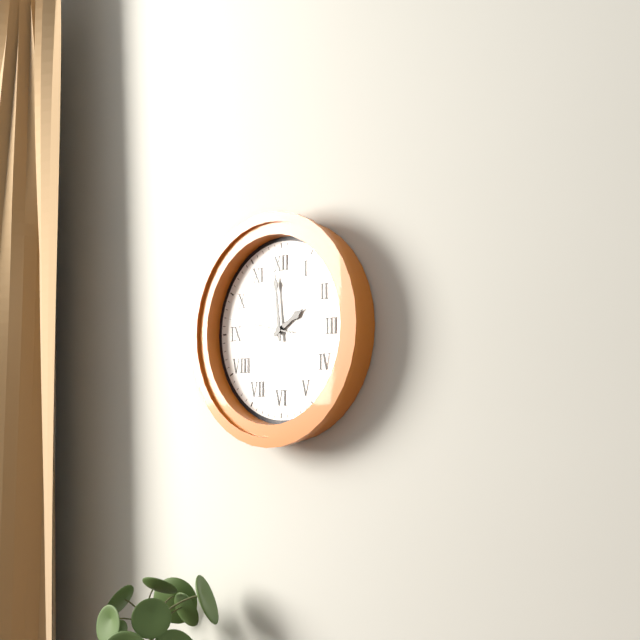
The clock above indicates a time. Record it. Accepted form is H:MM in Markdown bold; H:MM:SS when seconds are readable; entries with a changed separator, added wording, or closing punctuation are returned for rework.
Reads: **1:59:47**
